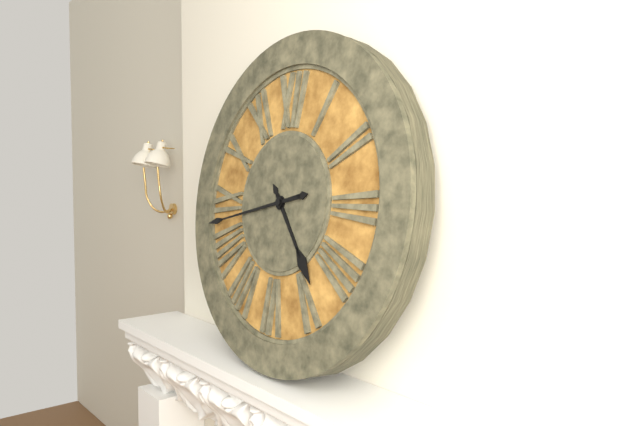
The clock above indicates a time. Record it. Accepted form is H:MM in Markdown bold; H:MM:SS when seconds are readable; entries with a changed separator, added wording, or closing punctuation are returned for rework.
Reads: **4:43**
